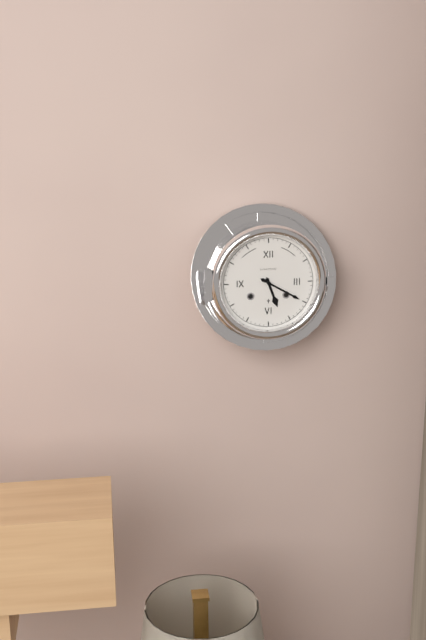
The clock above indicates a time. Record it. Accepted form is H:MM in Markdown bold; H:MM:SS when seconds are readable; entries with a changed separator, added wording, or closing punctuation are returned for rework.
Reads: **5:20**
